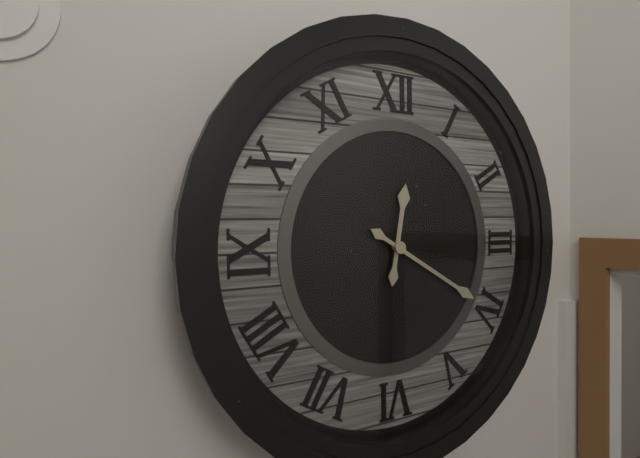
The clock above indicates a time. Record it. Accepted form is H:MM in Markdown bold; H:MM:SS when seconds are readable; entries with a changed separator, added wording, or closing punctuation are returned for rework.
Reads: **12:20**
